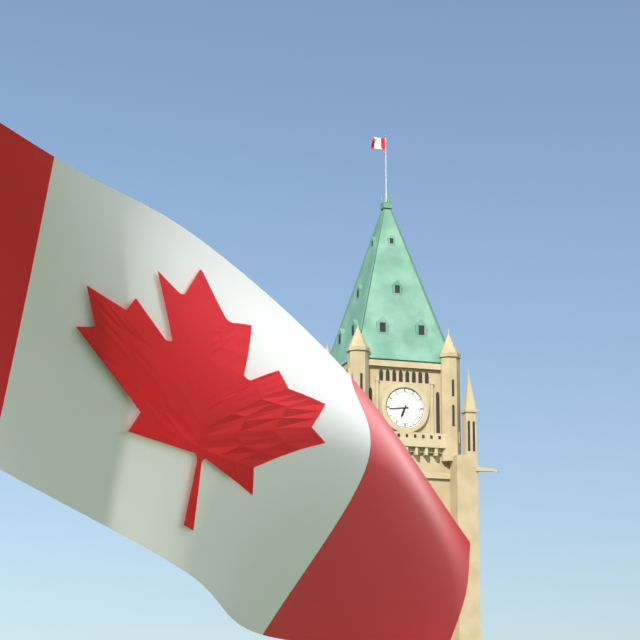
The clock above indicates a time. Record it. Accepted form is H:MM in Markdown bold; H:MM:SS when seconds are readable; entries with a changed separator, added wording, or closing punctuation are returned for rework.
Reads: **6:44**
